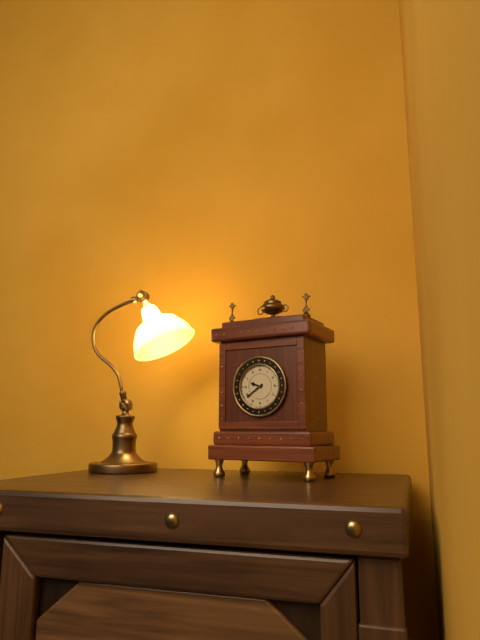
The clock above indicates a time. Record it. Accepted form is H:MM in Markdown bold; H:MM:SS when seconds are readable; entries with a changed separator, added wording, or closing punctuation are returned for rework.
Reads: **9:39**
